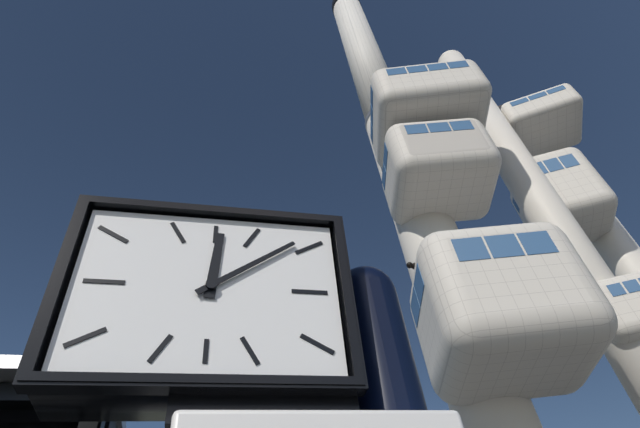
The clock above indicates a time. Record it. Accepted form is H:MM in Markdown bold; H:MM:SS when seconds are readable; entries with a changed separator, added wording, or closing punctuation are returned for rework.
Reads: **12:09**
